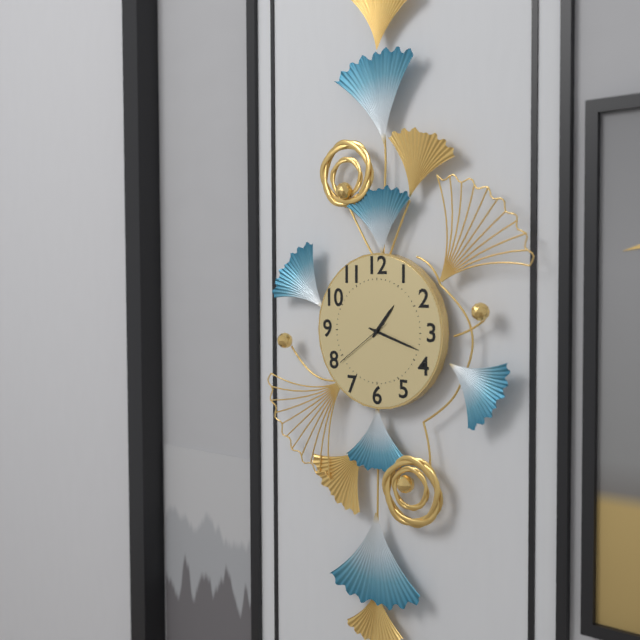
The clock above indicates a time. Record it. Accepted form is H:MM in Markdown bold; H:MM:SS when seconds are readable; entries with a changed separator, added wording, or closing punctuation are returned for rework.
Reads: **1:18:39**
